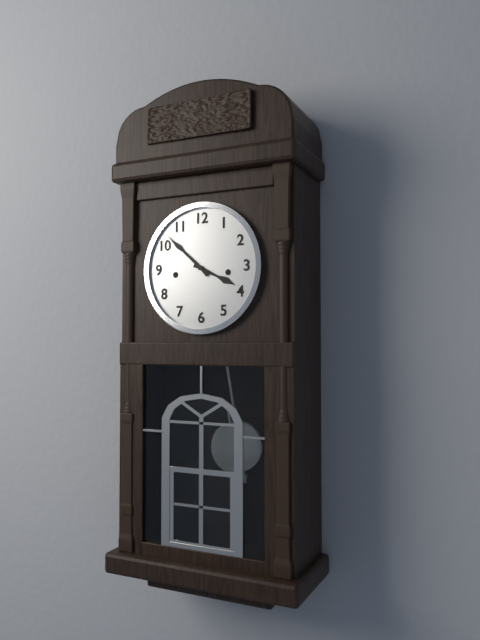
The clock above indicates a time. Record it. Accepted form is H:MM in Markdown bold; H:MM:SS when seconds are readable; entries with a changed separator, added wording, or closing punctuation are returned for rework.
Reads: **3:52**
